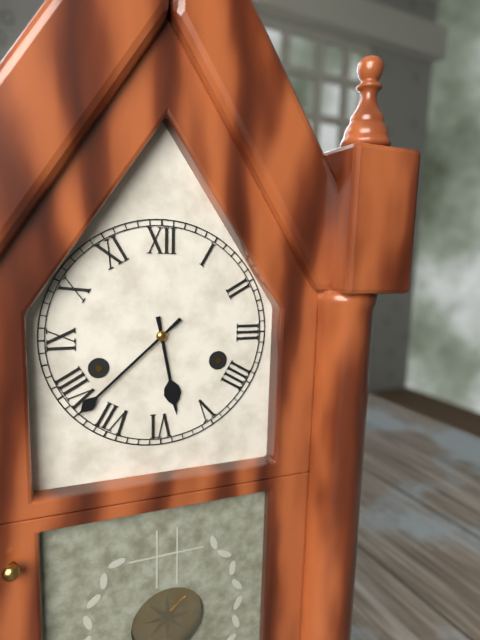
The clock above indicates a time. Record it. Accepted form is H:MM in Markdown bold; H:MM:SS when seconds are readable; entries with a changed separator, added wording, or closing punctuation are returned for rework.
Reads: **5:38**
